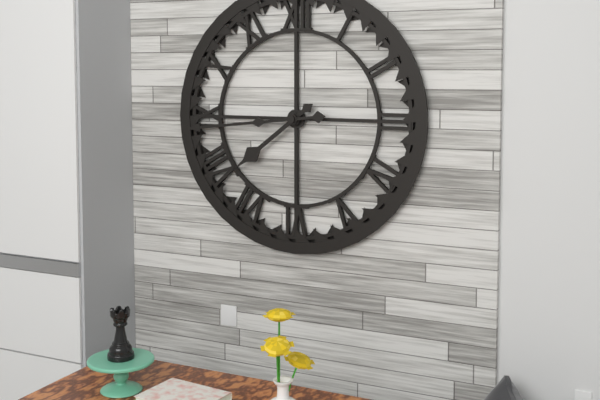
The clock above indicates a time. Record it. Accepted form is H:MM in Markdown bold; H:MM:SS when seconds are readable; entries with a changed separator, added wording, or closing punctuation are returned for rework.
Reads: **7:44**
